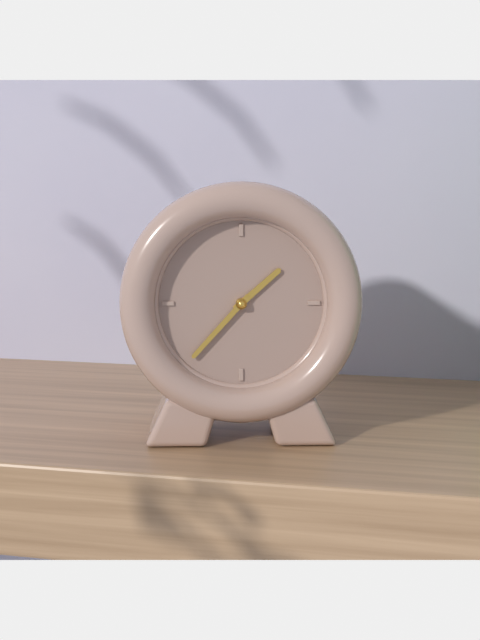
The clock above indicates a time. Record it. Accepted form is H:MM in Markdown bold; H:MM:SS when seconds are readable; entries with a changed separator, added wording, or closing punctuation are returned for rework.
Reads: **1:37**
